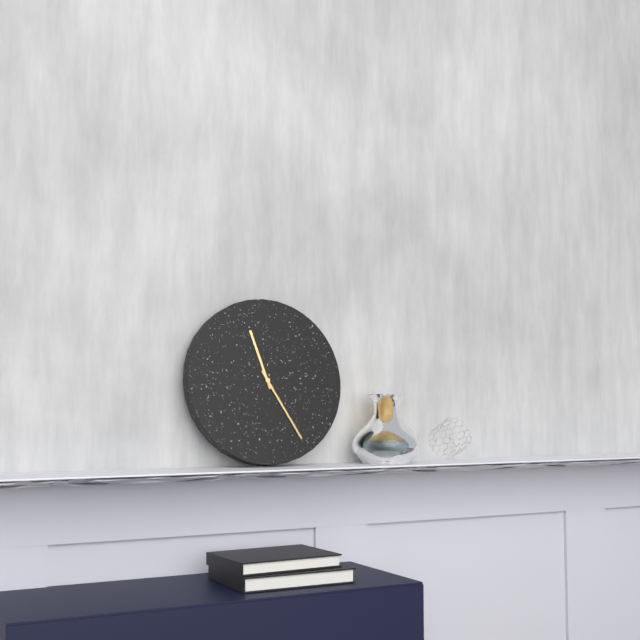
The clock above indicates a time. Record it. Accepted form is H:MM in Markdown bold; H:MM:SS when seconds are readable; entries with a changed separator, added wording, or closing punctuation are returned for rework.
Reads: **11:25**
